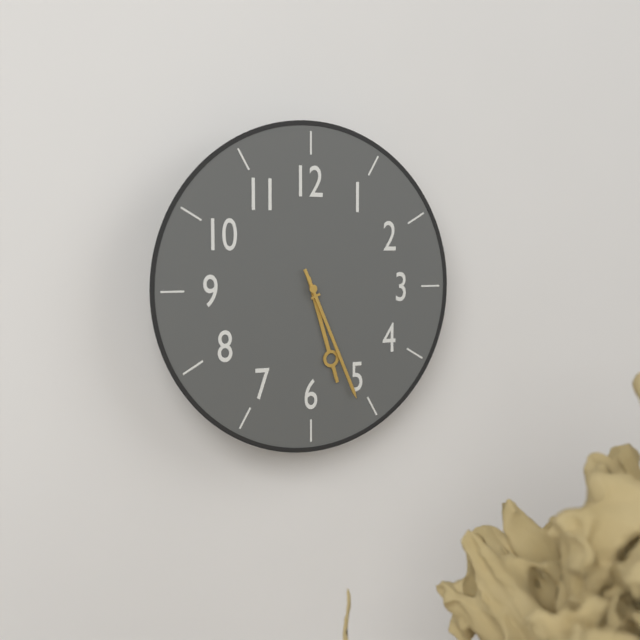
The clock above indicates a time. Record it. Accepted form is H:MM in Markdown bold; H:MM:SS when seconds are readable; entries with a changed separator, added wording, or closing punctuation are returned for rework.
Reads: **5:26**
